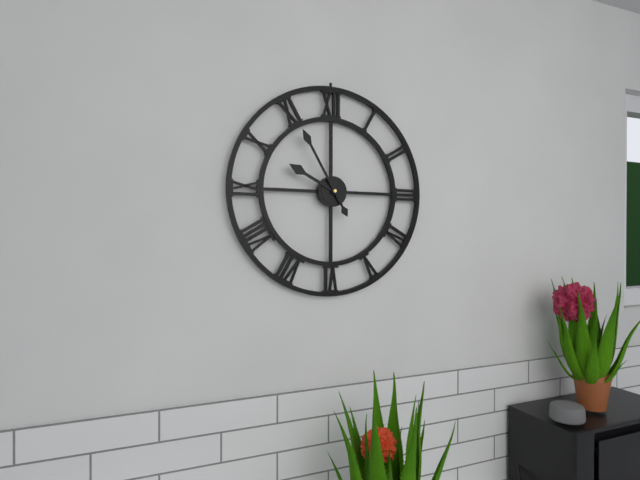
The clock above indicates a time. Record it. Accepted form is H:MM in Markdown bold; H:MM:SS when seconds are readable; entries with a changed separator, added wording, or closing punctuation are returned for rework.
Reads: **9:55**
